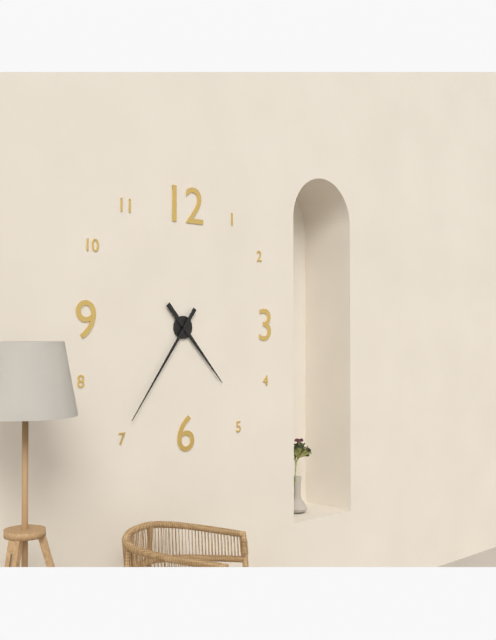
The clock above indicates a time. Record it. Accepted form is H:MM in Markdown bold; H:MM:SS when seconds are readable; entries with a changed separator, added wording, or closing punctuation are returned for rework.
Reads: **4:36**
